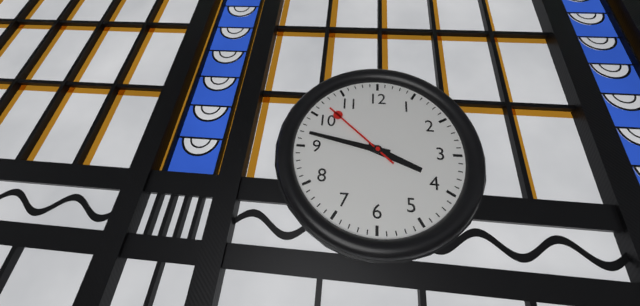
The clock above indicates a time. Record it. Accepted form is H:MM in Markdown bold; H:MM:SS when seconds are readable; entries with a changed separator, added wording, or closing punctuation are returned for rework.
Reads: **3:47:52**
